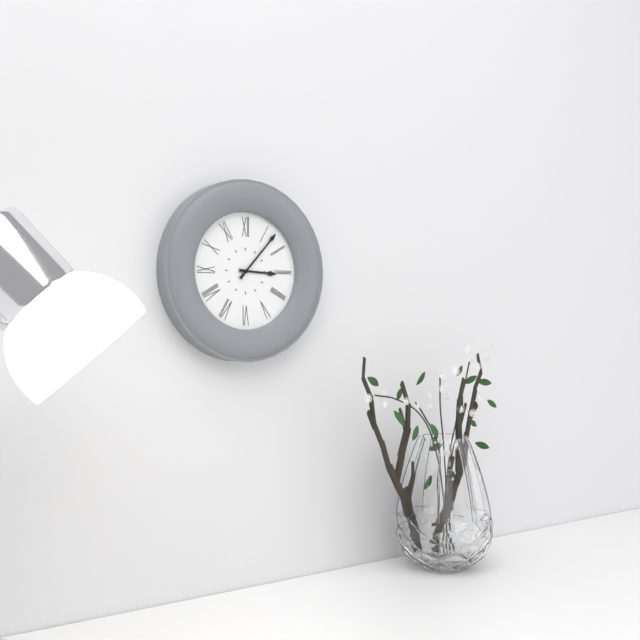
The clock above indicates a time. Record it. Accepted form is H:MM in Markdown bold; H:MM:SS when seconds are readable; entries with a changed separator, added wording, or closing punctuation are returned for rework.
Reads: **3:07**
